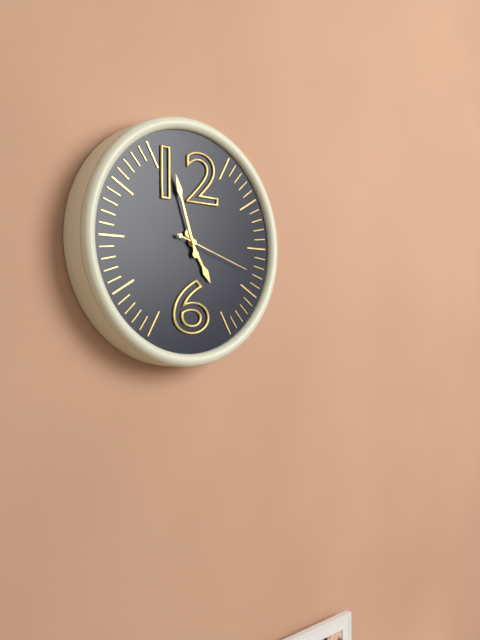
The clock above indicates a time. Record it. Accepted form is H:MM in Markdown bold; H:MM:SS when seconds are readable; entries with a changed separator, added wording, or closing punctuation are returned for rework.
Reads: **4:57:18**
